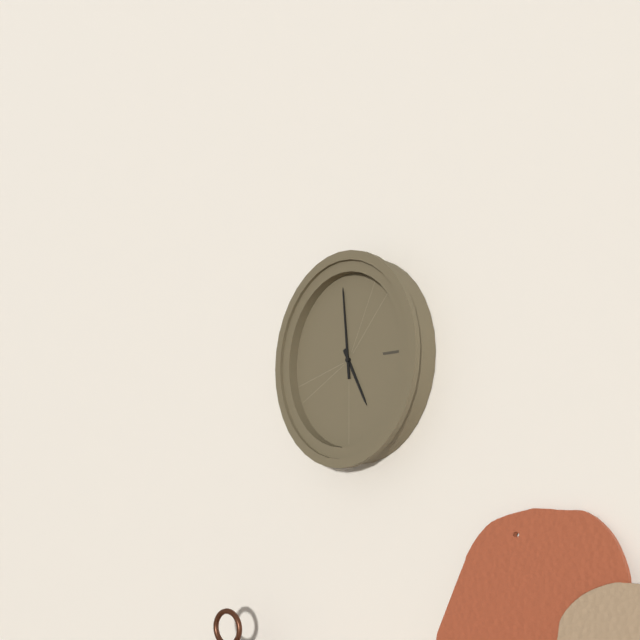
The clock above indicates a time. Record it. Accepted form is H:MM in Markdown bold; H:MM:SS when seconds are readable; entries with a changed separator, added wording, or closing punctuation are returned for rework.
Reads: **4:59**
